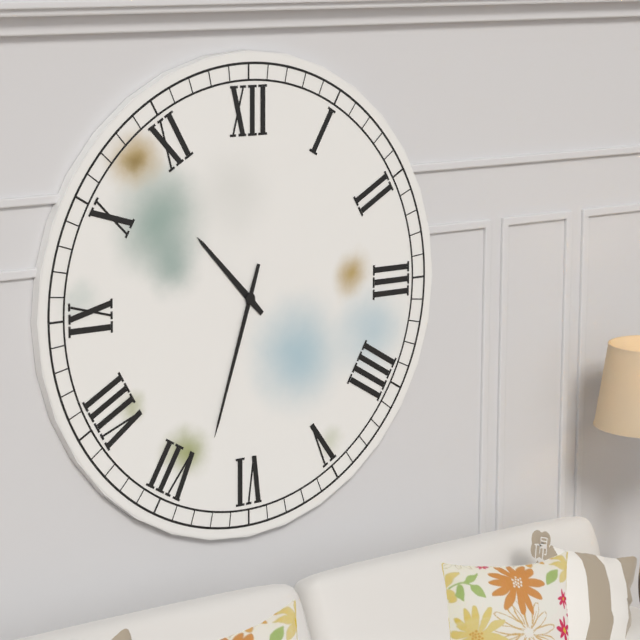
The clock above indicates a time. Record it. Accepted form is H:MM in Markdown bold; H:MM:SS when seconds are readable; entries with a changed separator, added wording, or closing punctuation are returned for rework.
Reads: **10:33**
